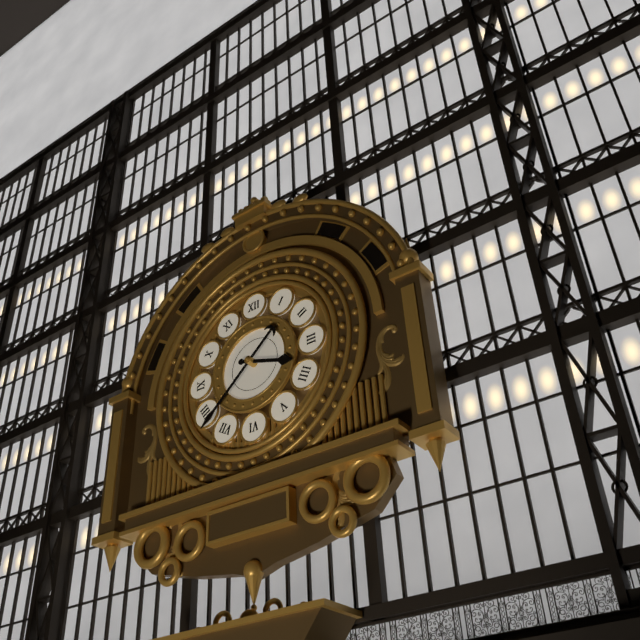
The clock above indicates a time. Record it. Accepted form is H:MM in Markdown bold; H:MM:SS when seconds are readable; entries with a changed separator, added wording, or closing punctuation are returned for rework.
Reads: **3:38**
